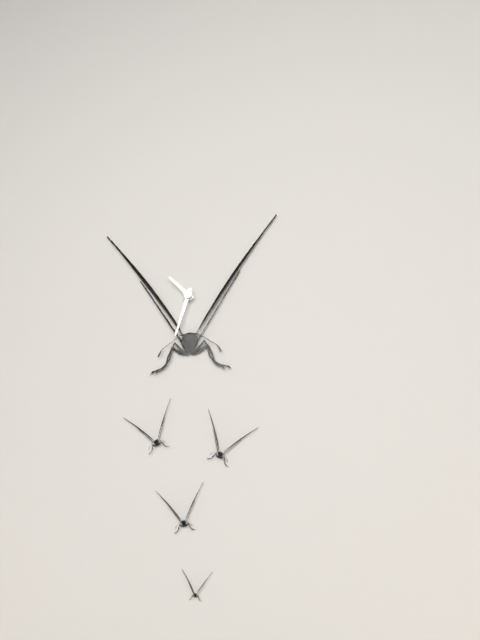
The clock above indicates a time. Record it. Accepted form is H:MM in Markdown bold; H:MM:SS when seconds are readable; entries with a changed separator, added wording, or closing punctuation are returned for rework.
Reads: **10:33**
